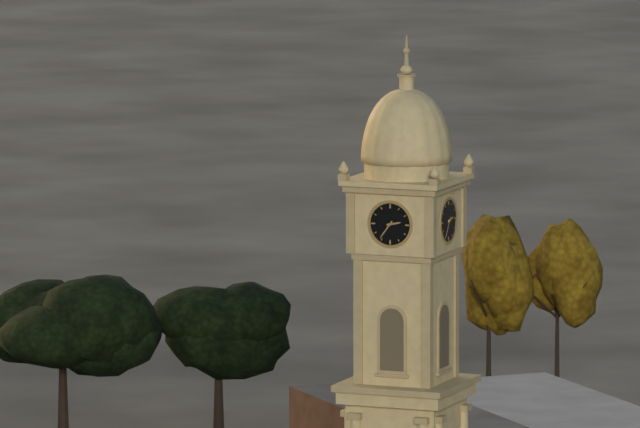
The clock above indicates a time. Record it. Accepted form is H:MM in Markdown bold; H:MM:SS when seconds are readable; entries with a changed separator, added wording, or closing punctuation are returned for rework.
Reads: **2:36**
